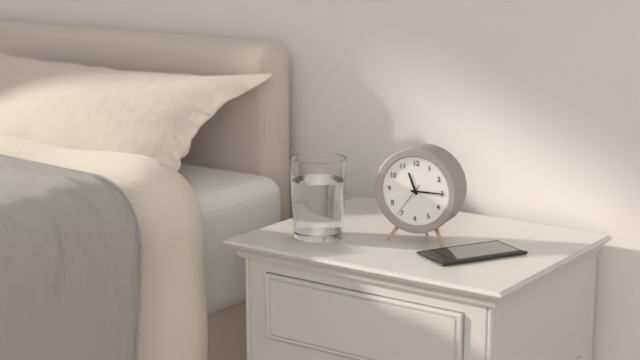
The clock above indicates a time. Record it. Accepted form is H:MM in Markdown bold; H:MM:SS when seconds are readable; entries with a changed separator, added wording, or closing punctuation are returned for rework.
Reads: **11:15**
